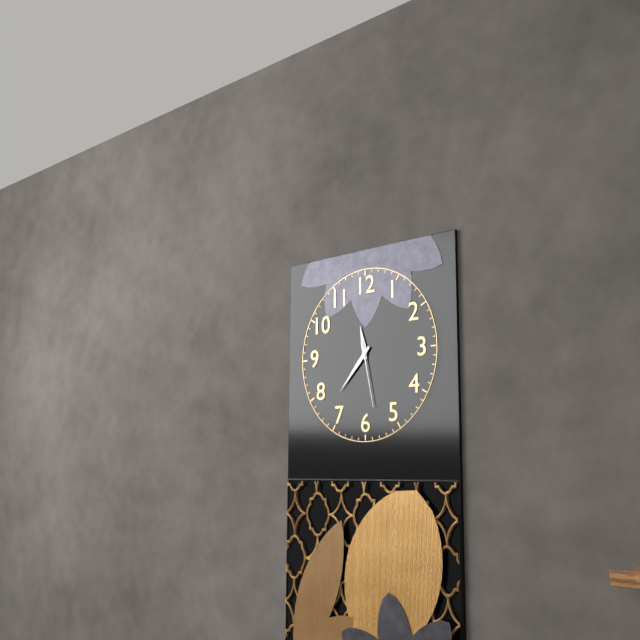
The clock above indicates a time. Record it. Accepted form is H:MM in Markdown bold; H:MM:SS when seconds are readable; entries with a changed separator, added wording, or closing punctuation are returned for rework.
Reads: **11:37:28**
